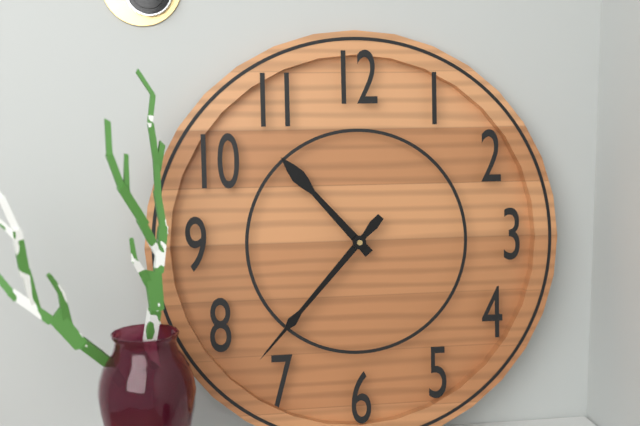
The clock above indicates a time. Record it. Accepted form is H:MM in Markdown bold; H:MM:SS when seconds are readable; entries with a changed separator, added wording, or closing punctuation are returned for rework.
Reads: **10:37**
